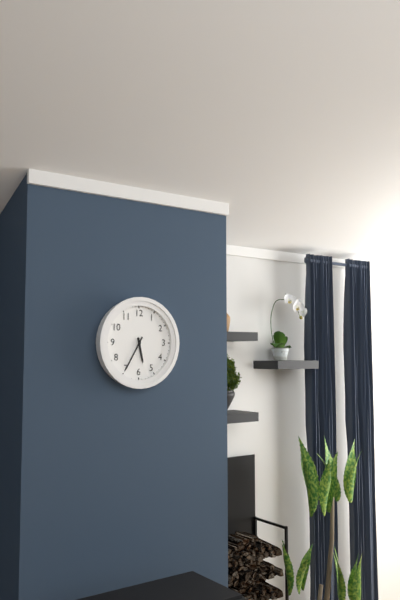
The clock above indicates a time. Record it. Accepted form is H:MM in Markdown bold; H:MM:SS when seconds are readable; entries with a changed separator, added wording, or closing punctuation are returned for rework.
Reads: **5:35**
